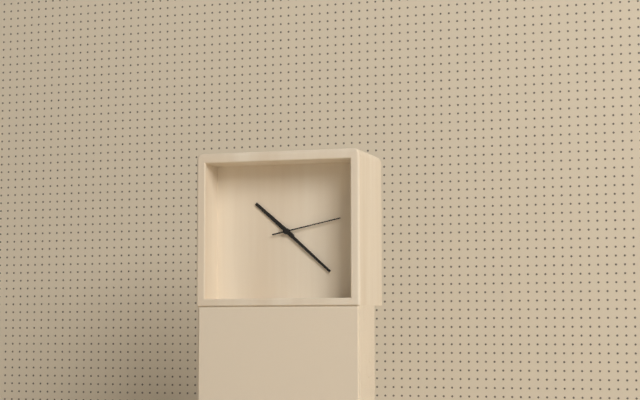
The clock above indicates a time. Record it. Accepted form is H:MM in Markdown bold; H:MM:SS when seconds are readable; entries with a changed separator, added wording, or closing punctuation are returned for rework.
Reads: **10:22:13**
